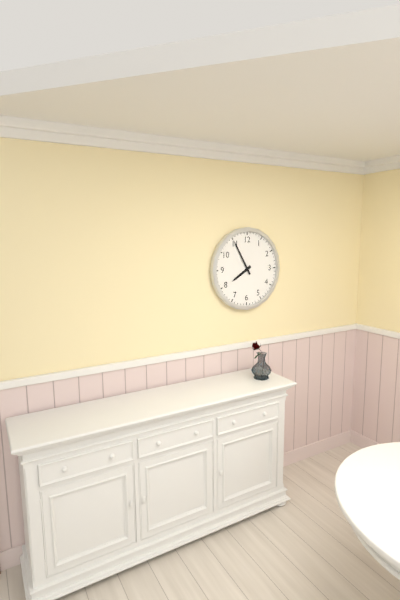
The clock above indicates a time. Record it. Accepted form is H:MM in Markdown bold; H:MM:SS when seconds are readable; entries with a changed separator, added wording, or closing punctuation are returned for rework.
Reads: **7:55**
